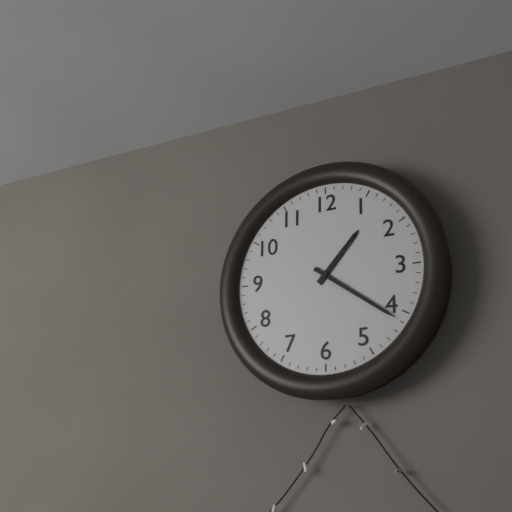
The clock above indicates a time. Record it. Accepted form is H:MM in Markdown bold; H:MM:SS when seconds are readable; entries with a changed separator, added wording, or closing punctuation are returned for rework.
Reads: **1:21**
